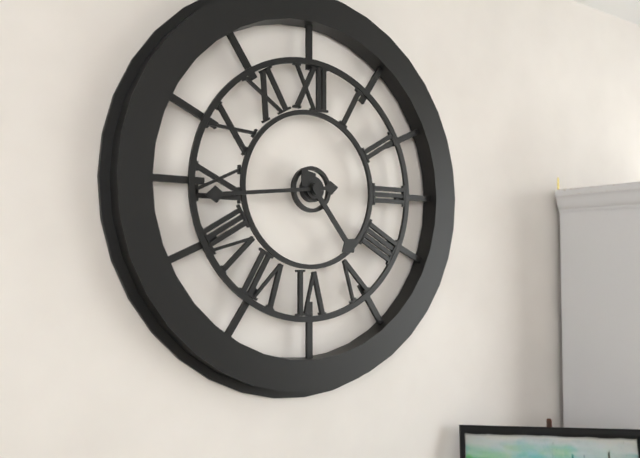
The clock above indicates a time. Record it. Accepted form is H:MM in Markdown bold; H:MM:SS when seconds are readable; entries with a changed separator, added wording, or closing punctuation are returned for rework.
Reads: **4:44**
